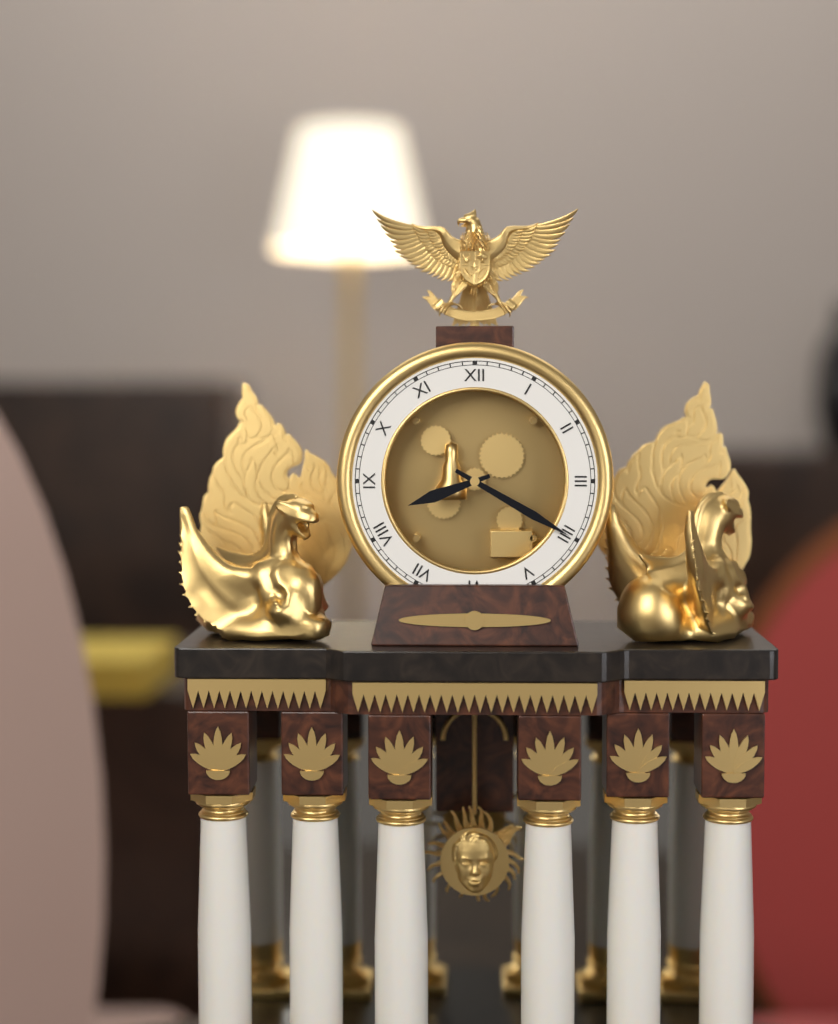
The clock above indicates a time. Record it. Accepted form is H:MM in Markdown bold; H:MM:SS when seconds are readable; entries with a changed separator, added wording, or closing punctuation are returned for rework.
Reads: **8:20**
